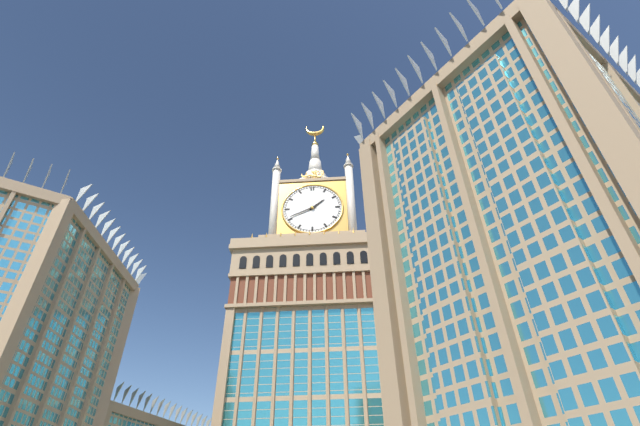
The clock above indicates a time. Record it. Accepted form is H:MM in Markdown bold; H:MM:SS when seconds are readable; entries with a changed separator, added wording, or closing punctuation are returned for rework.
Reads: **1:41**
